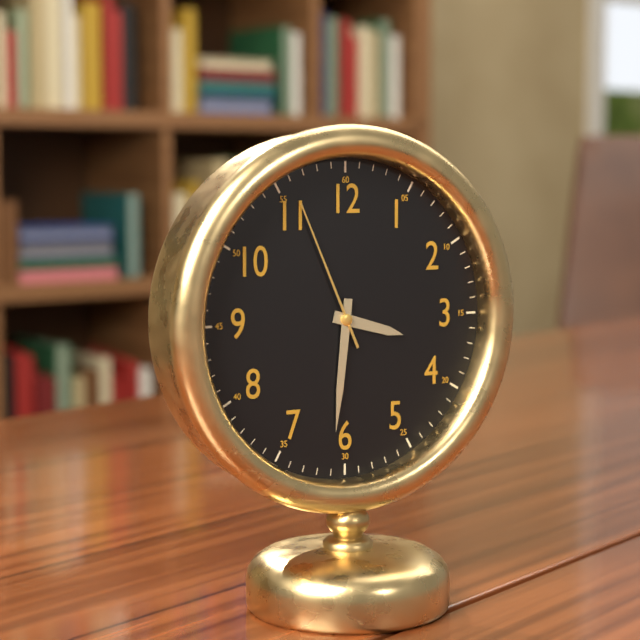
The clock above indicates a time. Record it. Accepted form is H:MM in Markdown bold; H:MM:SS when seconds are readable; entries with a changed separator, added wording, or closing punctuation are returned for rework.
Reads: **3:31:56**
